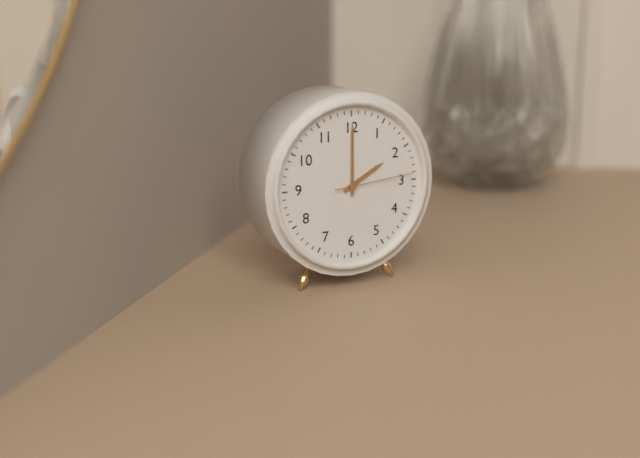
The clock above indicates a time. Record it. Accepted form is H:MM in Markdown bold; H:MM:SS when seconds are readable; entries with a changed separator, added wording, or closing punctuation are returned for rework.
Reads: **2:00:14**
